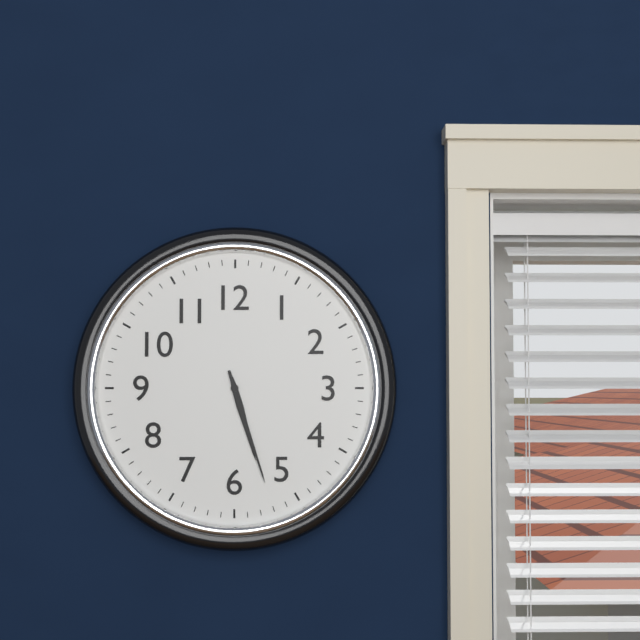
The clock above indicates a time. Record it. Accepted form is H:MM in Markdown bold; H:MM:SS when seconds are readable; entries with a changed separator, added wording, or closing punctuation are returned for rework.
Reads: **5:27**
